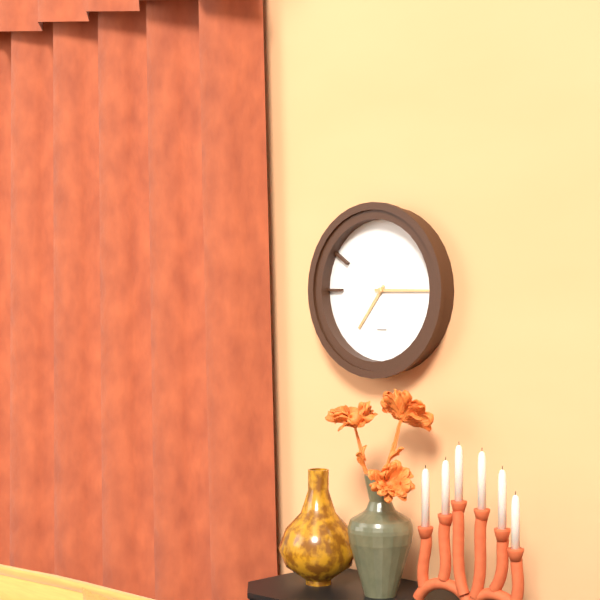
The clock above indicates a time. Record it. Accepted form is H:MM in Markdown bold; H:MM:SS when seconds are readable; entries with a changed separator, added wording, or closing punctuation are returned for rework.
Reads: **7:15**
